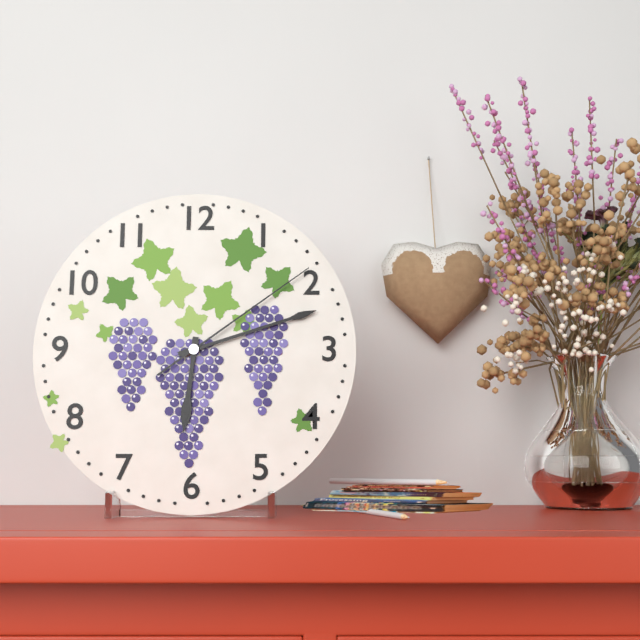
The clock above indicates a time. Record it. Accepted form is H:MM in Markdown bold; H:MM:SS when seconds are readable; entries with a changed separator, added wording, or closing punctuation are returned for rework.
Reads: **6:12:09**
